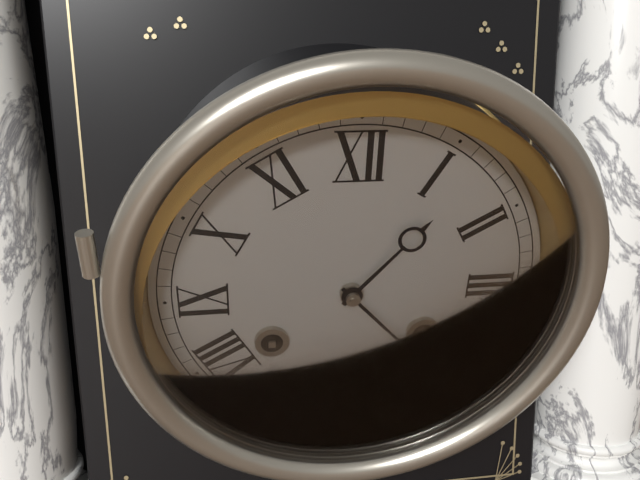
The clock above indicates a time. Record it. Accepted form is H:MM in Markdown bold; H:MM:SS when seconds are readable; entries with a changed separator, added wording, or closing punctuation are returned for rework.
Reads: **1:23**
